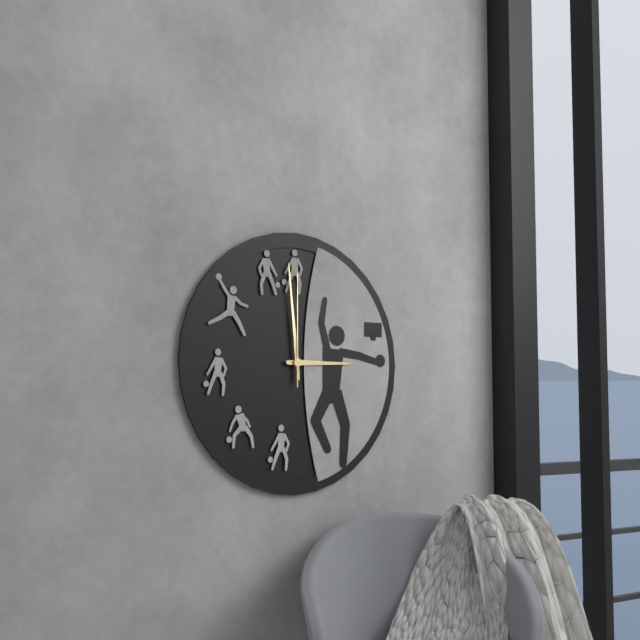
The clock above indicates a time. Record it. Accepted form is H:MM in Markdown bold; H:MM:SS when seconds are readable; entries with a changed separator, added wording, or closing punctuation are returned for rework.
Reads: **2:59:00**
